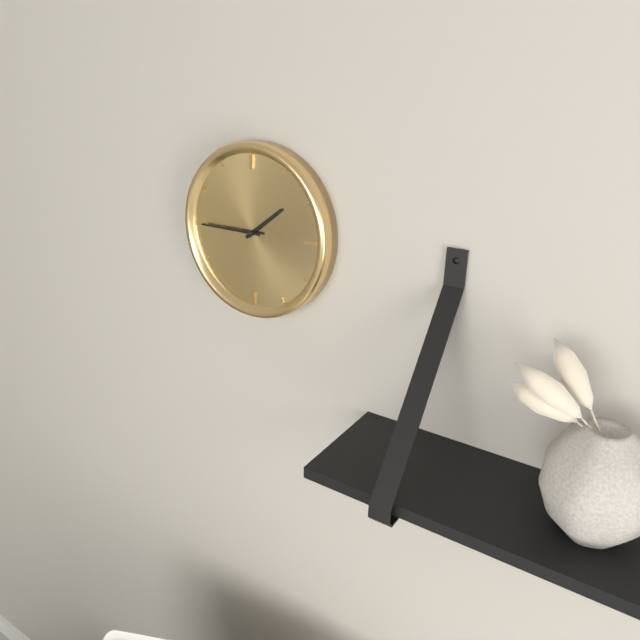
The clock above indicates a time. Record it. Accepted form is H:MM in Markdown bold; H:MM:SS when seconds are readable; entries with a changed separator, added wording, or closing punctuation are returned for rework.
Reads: **1:45**
